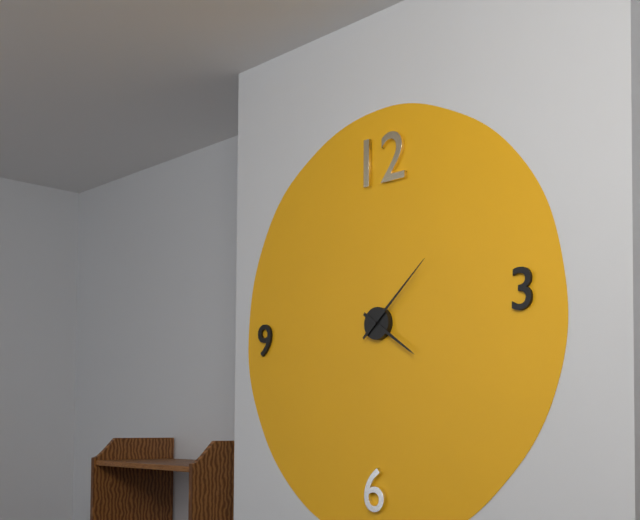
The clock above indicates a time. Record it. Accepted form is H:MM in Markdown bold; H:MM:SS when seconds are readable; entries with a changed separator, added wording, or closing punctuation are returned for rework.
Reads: **4:08**
